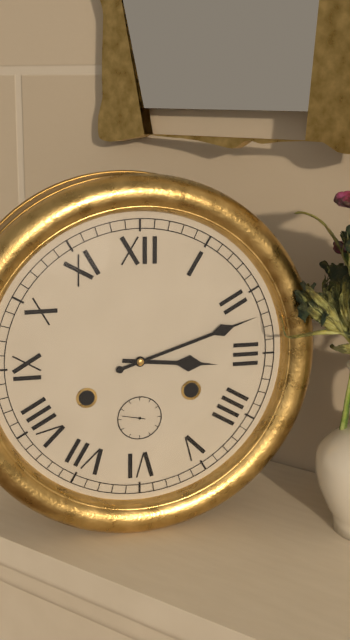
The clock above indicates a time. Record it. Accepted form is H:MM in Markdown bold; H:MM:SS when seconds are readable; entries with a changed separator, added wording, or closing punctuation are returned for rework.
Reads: **3:12**
